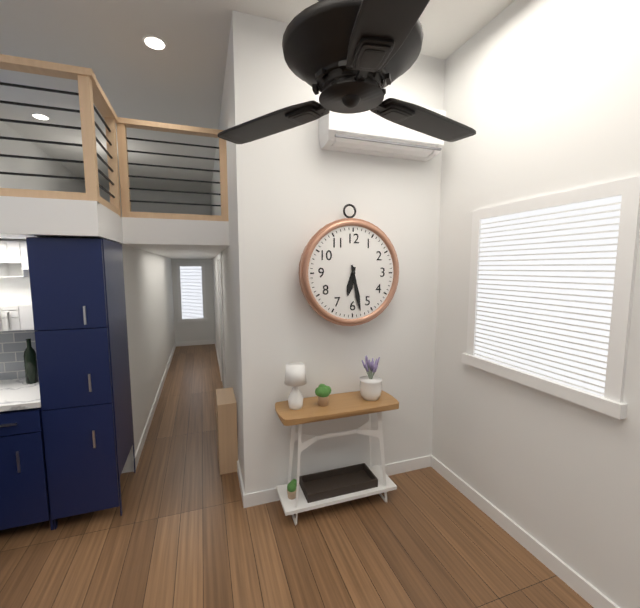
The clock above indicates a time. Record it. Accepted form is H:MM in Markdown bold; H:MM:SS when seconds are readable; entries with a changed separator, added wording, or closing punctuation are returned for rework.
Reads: **6:28**
